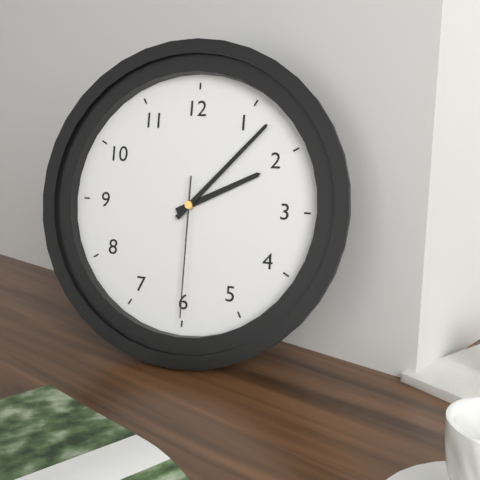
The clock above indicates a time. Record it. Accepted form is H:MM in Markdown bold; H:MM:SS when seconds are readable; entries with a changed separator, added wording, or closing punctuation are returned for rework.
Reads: **2:07:30**
